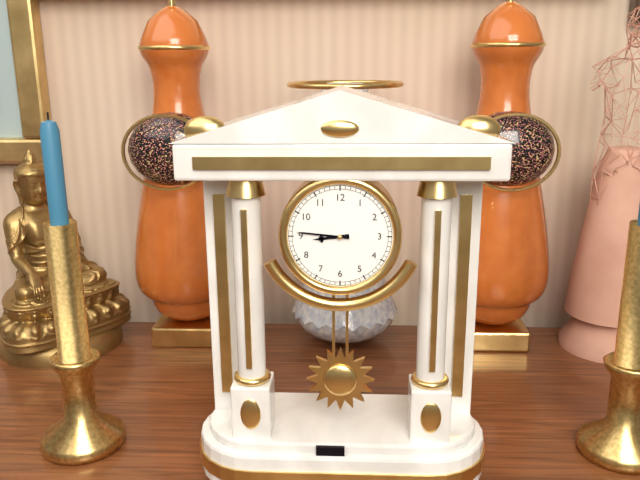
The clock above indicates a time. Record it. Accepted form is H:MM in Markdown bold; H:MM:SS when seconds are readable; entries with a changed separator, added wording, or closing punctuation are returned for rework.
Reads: **8:46**
